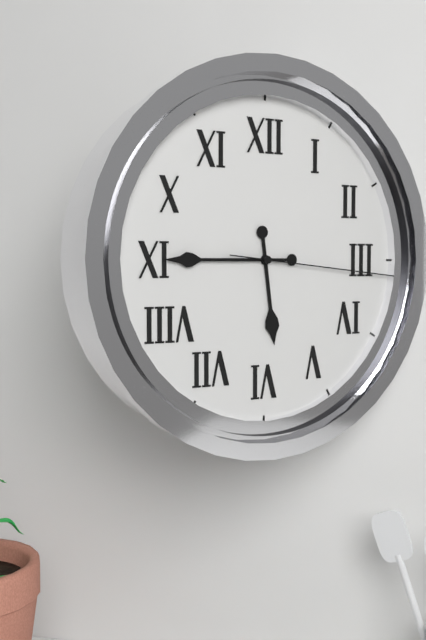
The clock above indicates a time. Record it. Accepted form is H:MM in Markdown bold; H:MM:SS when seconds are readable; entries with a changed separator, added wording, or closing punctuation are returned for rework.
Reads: **5:45:16**
